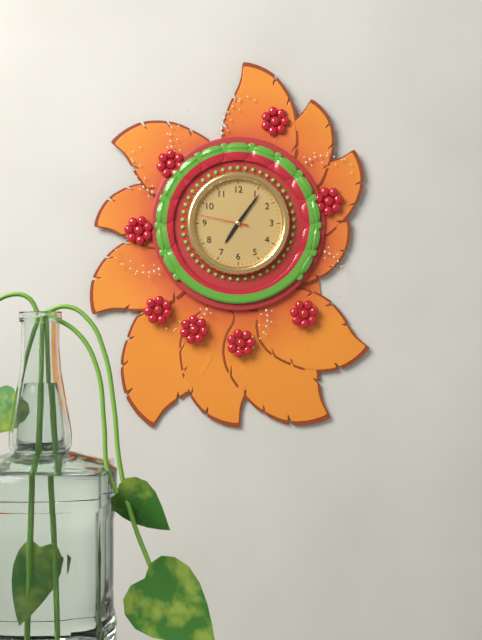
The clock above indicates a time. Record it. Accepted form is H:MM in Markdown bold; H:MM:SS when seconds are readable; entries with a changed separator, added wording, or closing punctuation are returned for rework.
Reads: **7:06**
